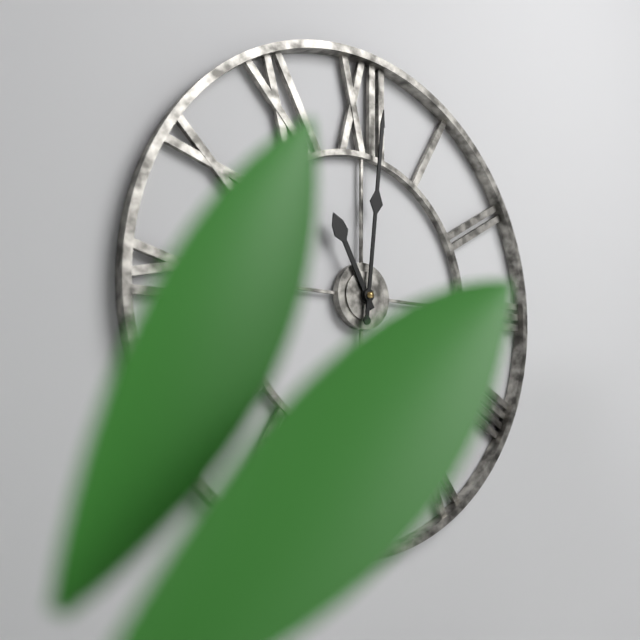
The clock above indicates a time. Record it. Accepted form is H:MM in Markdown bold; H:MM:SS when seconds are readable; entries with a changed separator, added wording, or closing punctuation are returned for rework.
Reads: **11:01**
